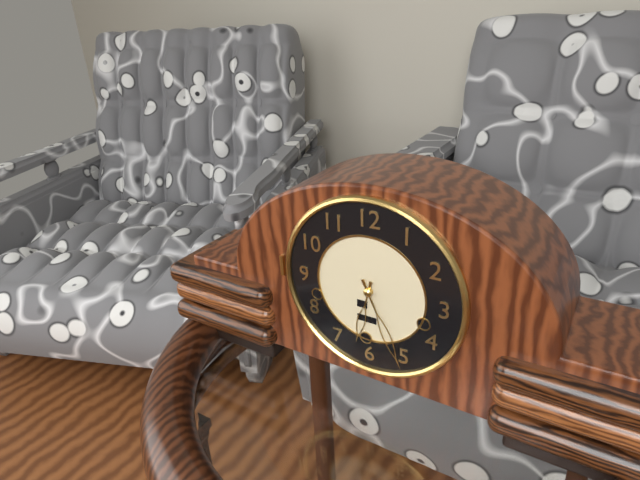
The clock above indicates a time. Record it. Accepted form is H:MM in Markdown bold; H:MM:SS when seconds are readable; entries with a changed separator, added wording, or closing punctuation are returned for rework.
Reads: **6:26**
